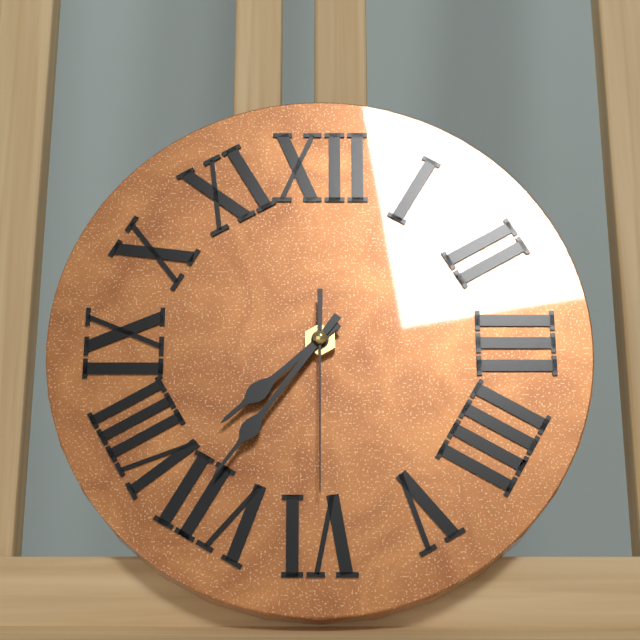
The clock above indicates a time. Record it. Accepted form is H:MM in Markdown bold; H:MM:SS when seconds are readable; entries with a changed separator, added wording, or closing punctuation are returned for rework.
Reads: **7:36:30**
